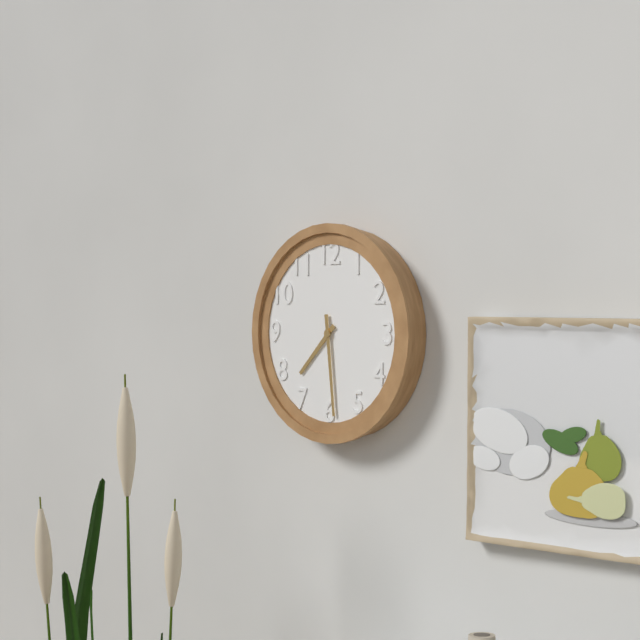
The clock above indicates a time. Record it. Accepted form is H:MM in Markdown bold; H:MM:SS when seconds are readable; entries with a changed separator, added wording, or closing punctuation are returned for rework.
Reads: **7:29**
